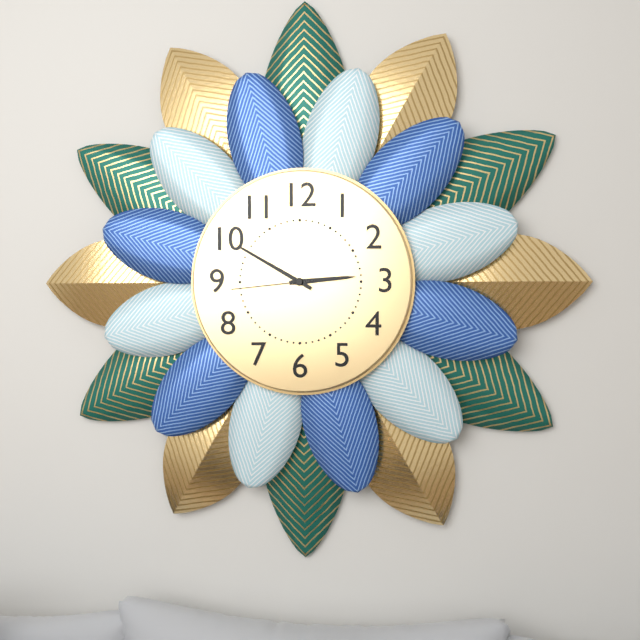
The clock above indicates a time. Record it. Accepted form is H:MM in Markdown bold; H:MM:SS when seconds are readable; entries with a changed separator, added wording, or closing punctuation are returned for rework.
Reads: **2:50:44**
